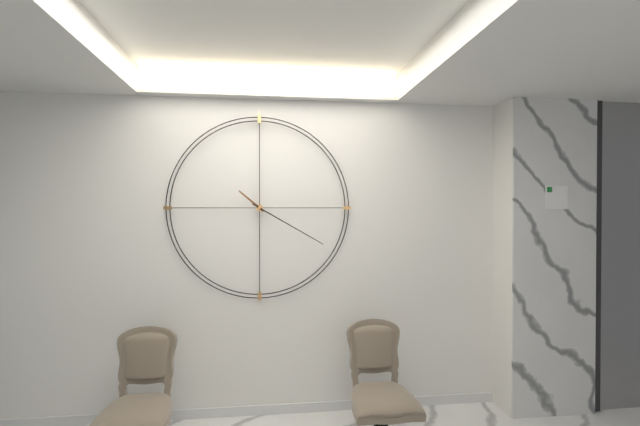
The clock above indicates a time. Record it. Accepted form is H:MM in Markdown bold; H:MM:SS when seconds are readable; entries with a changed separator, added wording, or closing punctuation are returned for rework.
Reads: **10:20**
